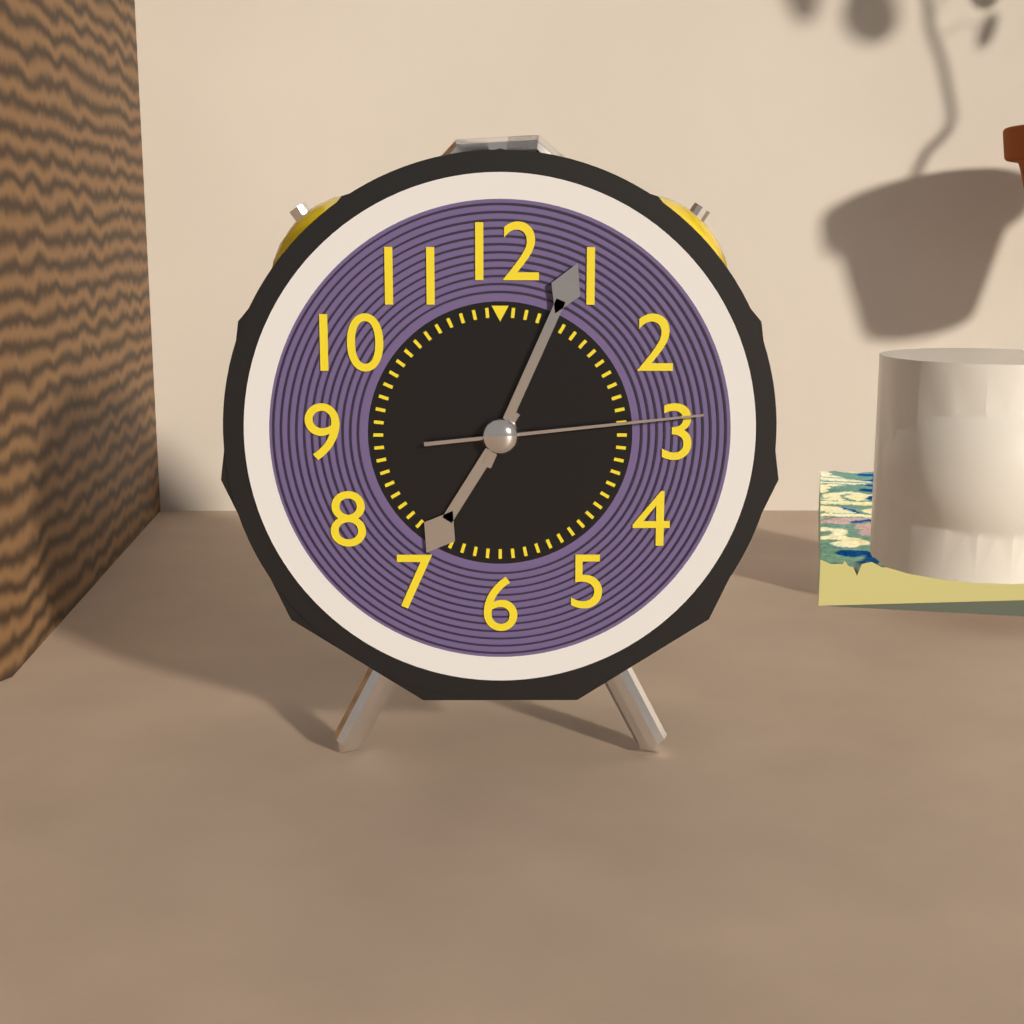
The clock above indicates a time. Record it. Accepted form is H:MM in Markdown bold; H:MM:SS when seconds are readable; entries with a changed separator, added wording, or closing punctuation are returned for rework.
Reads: **7:04:14**
